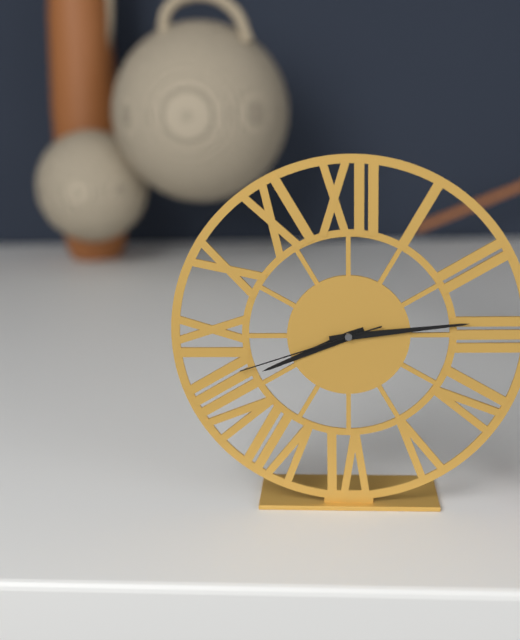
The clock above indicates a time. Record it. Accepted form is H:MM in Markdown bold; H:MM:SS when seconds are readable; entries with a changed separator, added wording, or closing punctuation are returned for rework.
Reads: **8:14:42**
